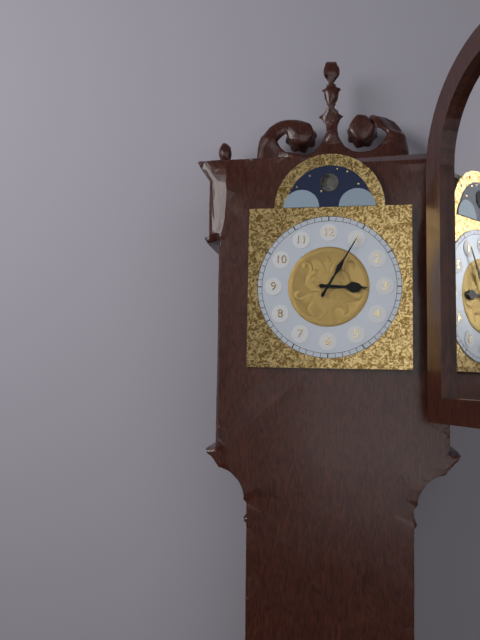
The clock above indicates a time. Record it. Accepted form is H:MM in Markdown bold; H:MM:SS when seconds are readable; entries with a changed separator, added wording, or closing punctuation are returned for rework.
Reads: **3:05**
